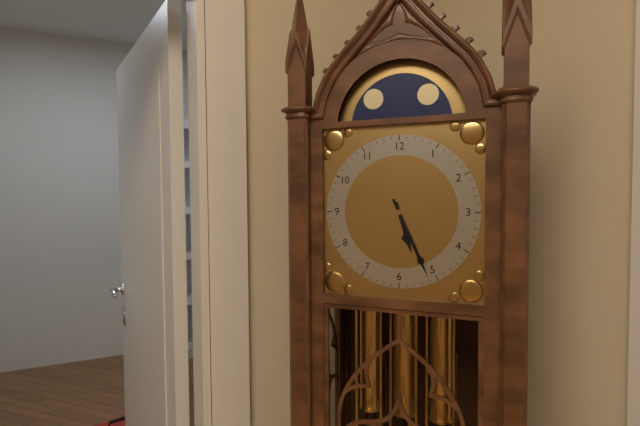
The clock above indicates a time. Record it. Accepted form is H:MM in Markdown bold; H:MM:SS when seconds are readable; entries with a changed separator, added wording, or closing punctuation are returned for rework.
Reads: **5:26**
